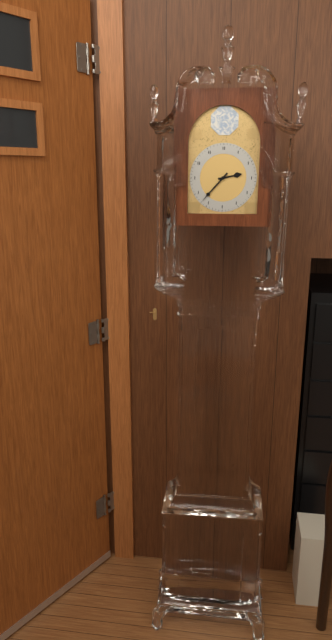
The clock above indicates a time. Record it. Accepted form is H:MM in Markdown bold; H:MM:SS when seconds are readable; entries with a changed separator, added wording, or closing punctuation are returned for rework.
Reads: **2:37**
